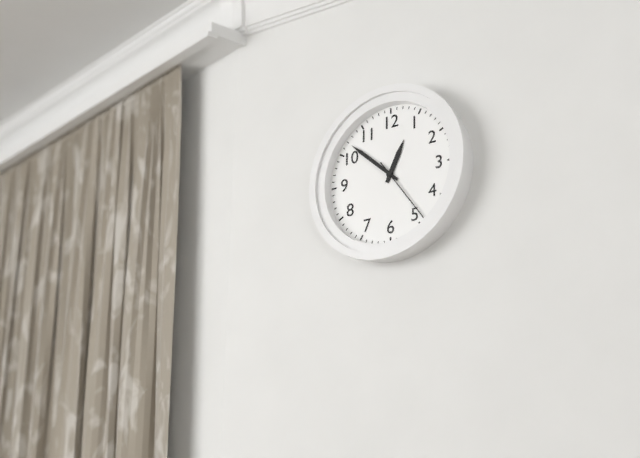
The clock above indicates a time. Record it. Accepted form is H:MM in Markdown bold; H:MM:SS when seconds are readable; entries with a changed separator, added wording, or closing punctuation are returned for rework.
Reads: **12:52:24**
